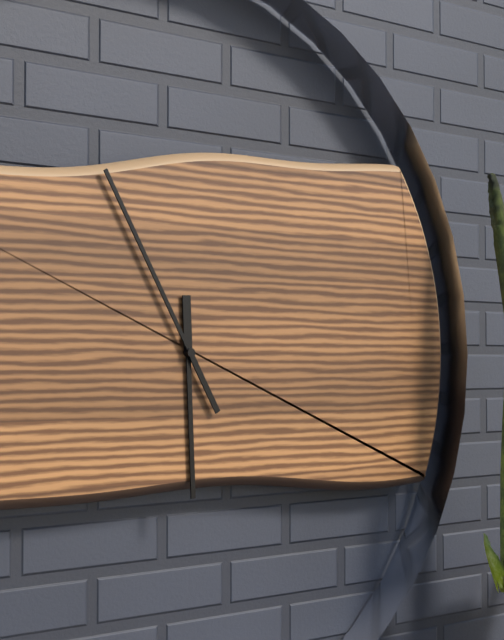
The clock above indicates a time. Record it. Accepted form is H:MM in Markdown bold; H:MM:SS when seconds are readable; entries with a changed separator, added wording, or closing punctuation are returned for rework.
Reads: **5:55**
